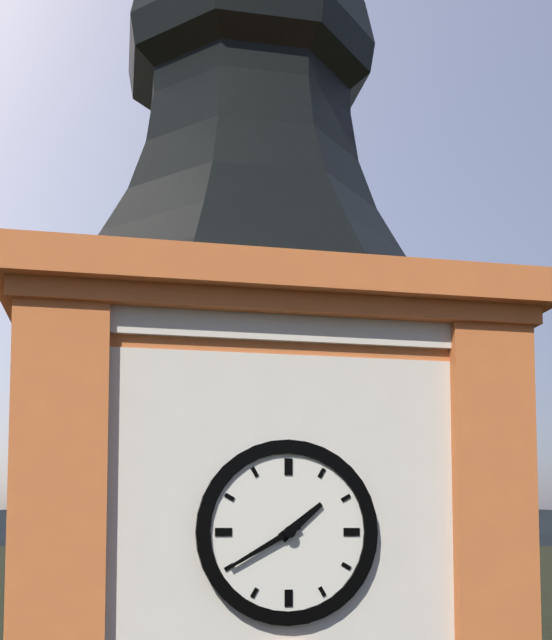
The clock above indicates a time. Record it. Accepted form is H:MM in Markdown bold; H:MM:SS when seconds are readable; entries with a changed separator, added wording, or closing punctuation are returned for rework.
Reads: **1:40**
